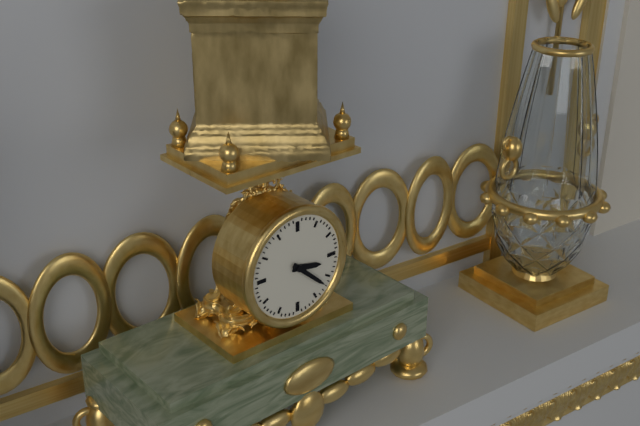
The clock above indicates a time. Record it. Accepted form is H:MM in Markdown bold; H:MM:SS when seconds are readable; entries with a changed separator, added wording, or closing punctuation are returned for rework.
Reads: **3:22**
